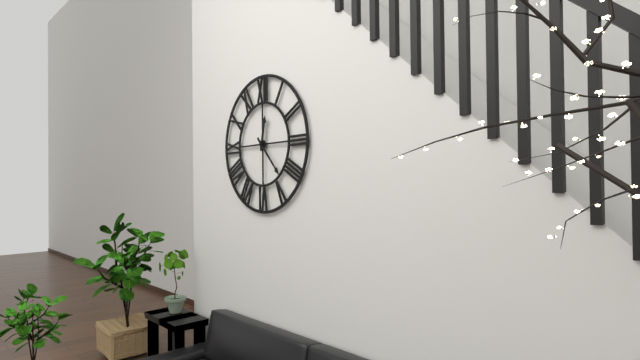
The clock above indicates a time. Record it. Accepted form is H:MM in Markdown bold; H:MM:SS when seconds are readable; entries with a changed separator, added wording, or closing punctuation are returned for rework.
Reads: **12:23**
